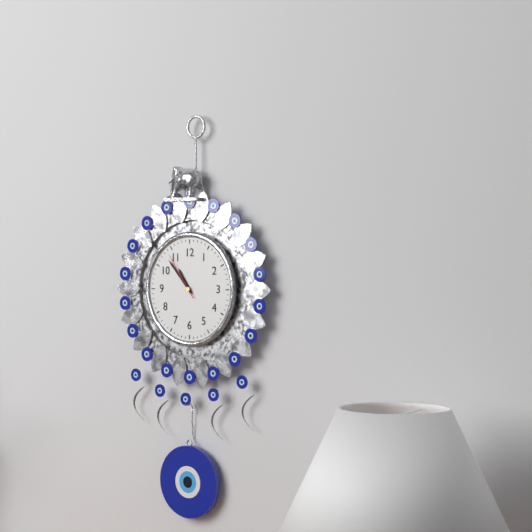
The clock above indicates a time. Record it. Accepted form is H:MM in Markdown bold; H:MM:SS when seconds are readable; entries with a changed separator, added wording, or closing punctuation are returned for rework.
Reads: **10:53:54**
